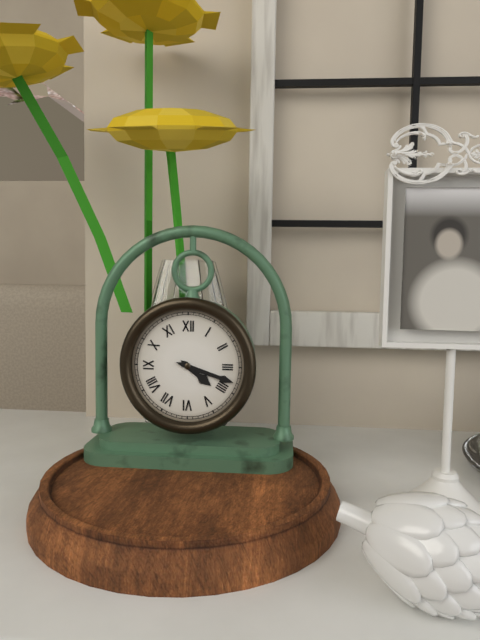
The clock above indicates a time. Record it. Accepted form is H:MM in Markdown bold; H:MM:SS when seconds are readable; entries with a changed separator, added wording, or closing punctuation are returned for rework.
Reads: **4:18**
